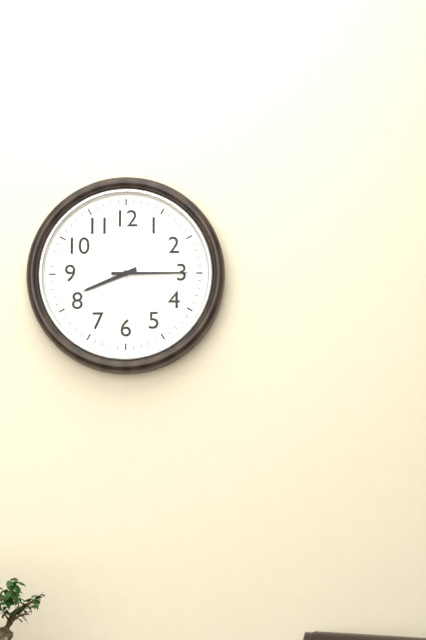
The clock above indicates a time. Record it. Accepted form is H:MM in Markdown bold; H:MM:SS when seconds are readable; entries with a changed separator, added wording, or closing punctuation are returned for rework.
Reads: **8:15**
